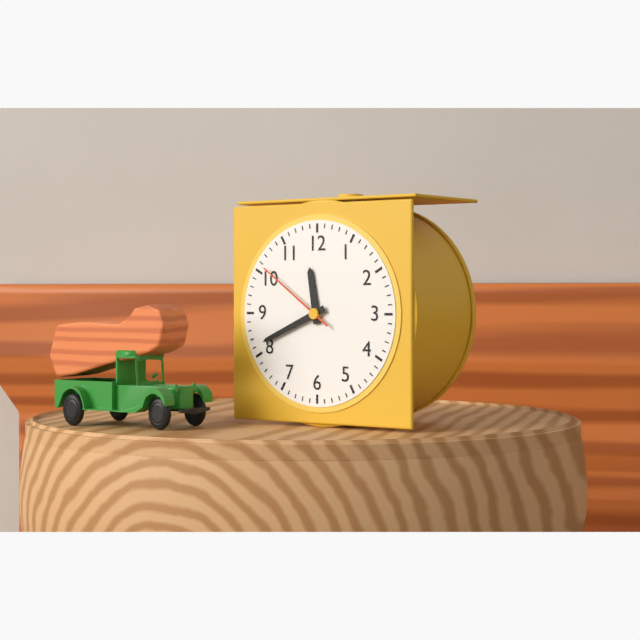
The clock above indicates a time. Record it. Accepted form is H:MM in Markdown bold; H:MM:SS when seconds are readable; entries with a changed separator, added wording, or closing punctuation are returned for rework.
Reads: **11:41:51**
